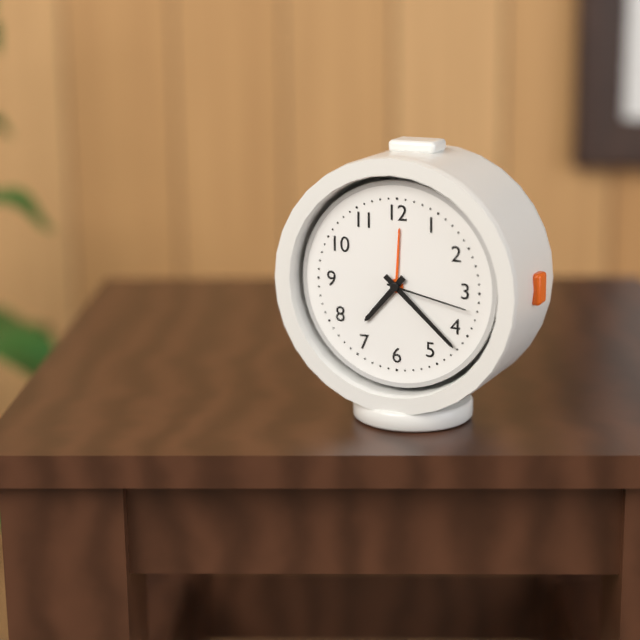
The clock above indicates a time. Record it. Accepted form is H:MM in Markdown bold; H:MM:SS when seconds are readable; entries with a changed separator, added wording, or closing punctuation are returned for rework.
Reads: **7:22:17**
